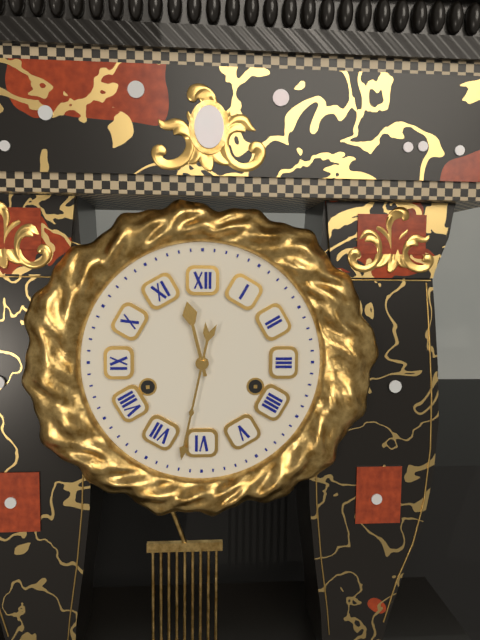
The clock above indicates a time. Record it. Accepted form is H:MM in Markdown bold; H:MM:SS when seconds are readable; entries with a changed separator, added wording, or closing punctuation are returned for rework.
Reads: **11:32**
